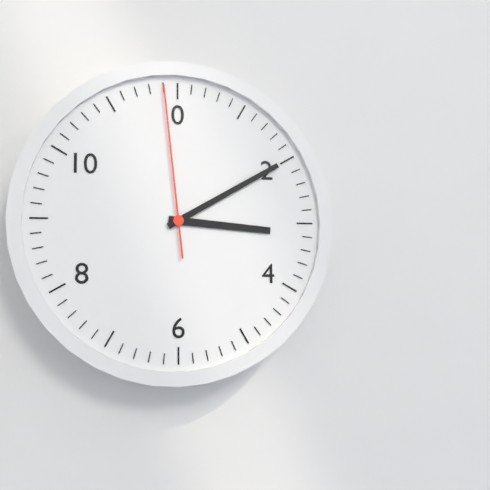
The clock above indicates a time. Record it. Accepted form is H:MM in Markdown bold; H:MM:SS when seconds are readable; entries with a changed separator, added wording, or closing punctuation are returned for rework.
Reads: **3:10:59**
